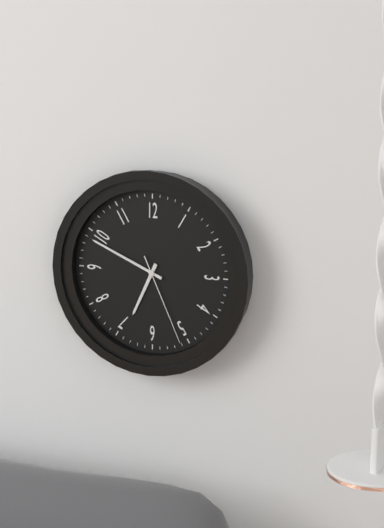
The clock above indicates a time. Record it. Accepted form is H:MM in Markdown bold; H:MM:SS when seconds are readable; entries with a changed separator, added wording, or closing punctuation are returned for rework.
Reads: **6:49:26**
